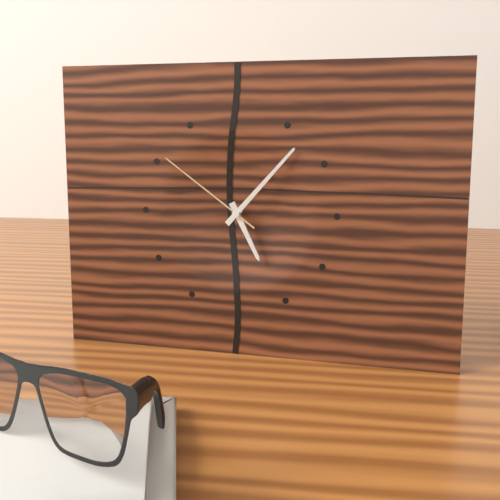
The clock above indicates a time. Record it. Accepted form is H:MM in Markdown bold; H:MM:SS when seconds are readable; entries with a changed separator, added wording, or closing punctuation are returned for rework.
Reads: **5:07:51**
